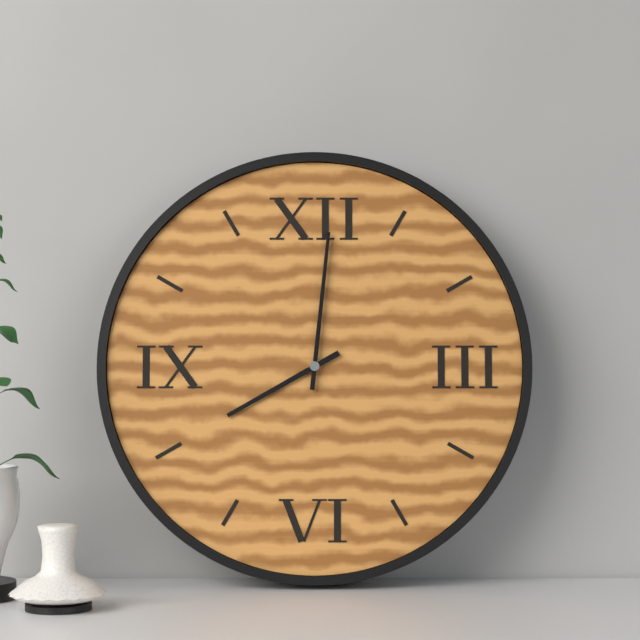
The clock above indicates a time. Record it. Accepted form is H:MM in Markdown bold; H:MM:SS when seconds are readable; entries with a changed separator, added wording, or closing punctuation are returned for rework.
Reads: **8:01**
